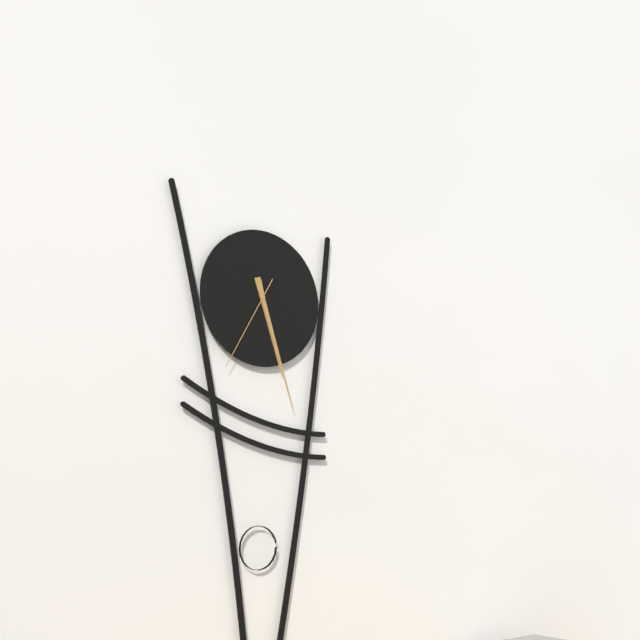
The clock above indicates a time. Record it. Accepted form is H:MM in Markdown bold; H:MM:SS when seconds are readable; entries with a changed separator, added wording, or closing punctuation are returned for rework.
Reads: **5:27:35**
